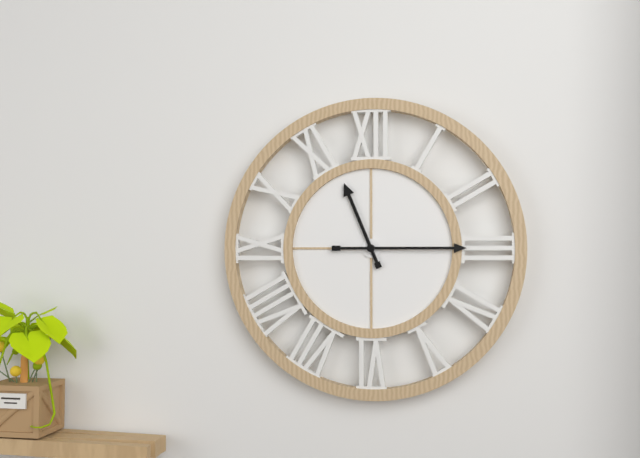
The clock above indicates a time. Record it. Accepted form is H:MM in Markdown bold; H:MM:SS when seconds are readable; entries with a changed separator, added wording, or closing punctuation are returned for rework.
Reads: **11:15**
